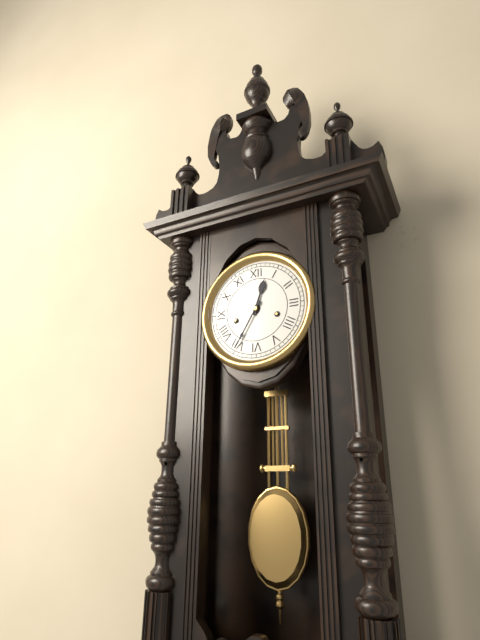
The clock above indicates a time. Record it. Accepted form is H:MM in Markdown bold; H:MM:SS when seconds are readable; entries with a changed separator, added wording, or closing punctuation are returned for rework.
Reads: **12:35**
